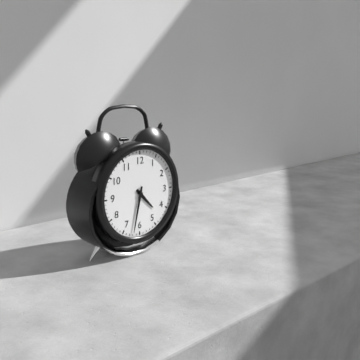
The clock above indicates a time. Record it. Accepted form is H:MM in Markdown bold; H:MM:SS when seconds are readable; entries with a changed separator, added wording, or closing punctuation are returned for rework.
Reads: **4:32**
